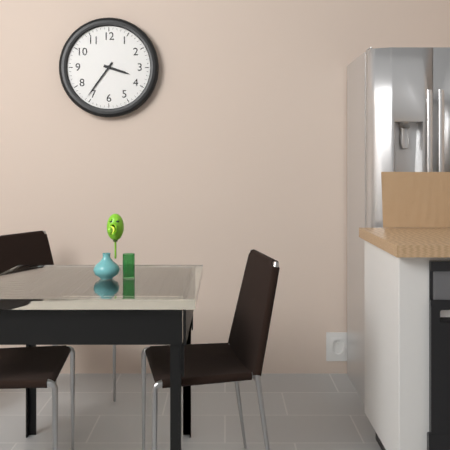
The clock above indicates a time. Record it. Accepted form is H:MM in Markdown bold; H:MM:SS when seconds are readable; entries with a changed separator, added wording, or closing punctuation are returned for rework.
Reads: **3:36**
